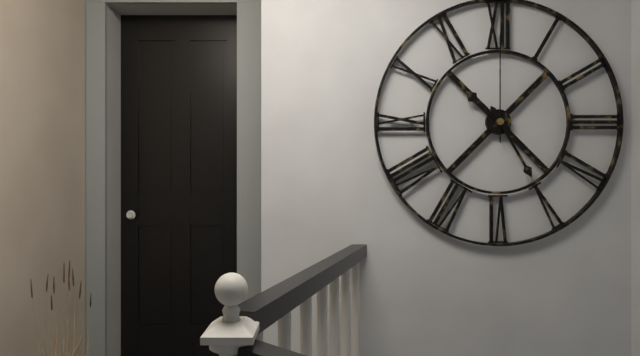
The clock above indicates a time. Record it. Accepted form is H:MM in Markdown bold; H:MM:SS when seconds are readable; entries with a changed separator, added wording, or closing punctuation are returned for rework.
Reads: **10:25:00**
